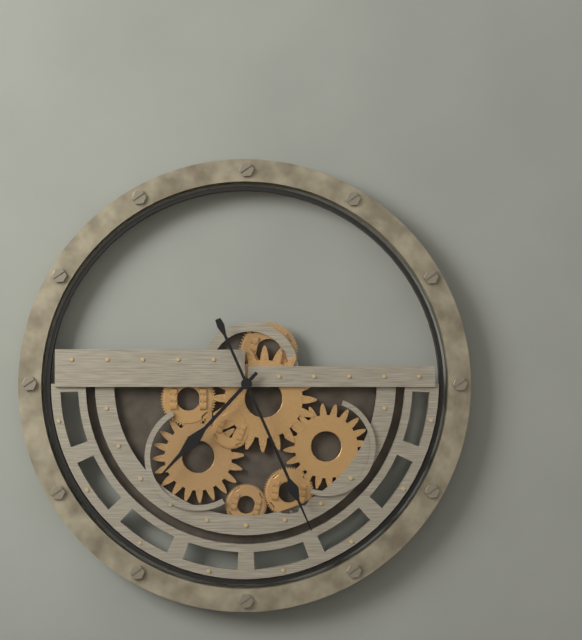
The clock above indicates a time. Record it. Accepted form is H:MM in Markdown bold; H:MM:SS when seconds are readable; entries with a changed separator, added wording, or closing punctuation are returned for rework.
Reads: **7:26**
